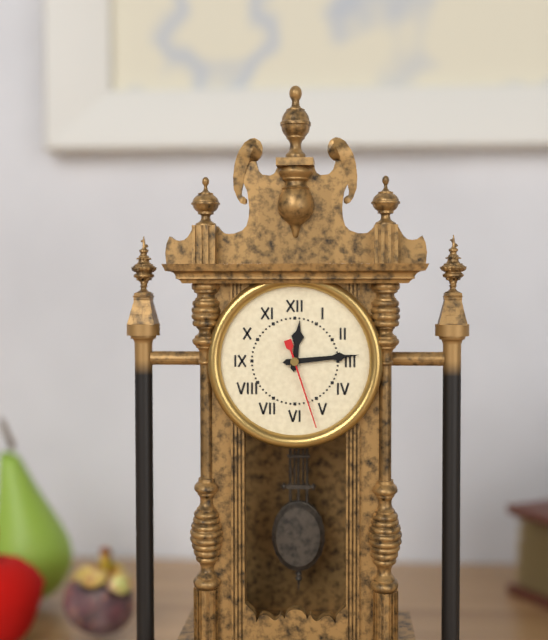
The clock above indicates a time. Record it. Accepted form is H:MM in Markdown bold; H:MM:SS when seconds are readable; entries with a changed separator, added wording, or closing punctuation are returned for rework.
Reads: **12:14:27**
